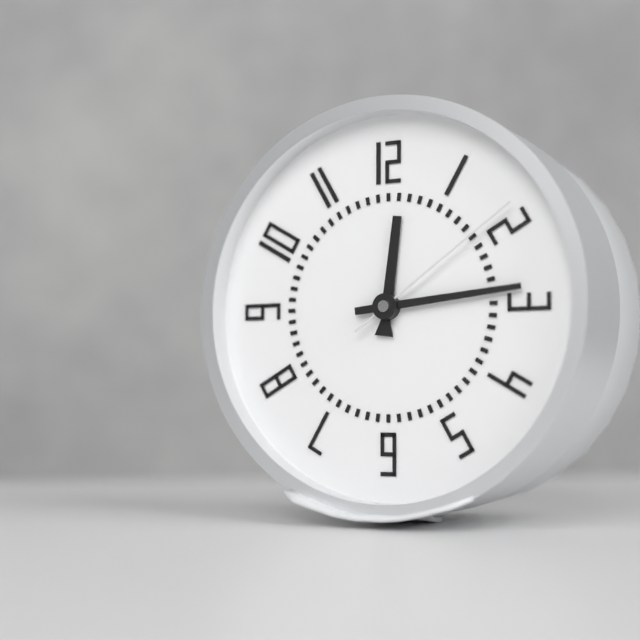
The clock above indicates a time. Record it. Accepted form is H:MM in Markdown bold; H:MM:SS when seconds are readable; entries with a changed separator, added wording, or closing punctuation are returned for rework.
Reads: **12:14:09**
